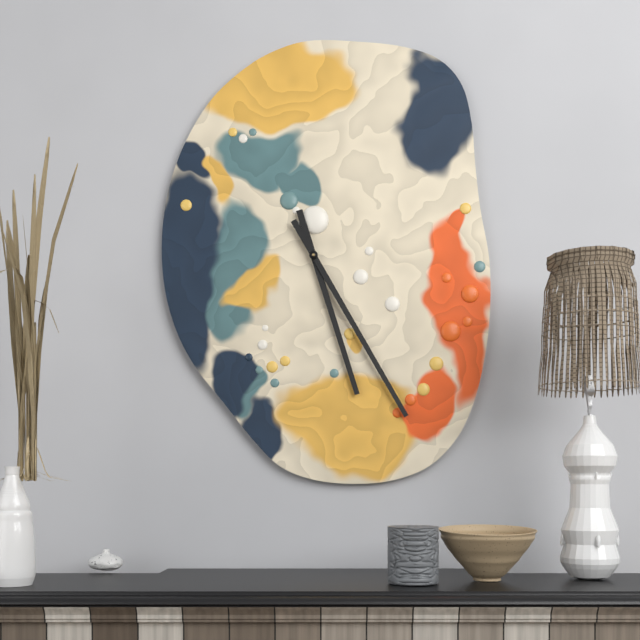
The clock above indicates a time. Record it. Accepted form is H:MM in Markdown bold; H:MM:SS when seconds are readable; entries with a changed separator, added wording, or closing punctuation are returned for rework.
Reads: **5:25**
